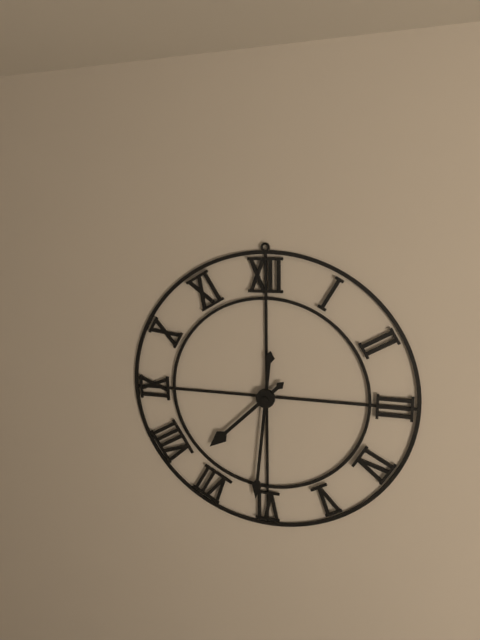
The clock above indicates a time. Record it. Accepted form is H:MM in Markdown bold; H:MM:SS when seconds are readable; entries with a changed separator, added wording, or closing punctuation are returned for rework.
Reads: **7:31**
